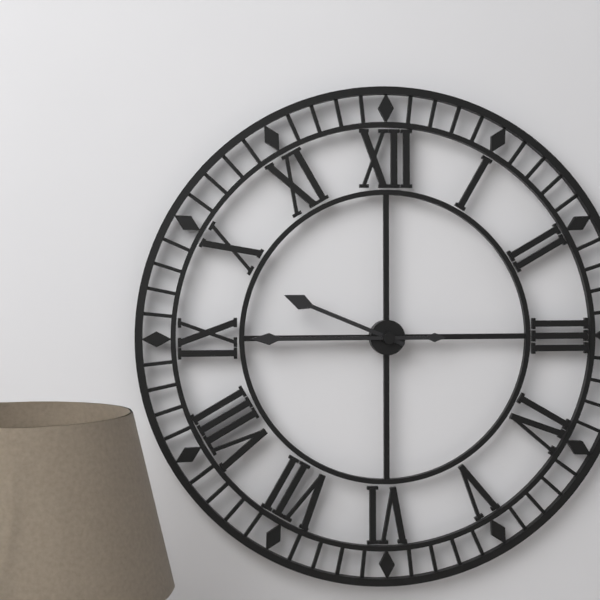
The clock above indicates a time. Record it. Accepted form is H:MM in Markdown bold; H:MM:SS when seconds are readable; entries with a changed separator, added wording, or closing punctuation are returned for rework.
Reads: **9:45**
